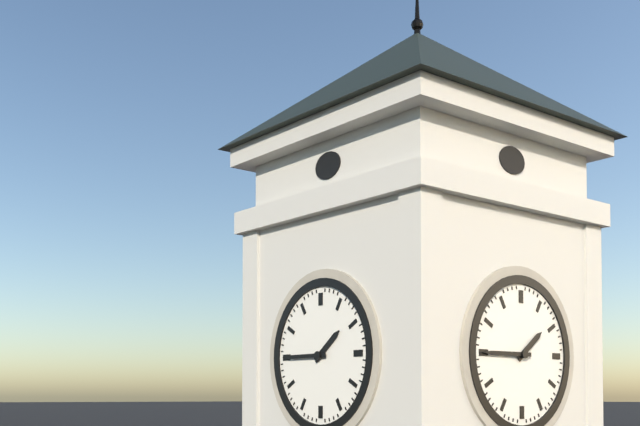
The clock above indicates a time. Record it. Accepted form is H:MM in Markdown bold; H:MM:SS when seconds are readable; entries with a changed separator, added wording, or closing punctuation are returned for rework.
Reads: **1:45**
